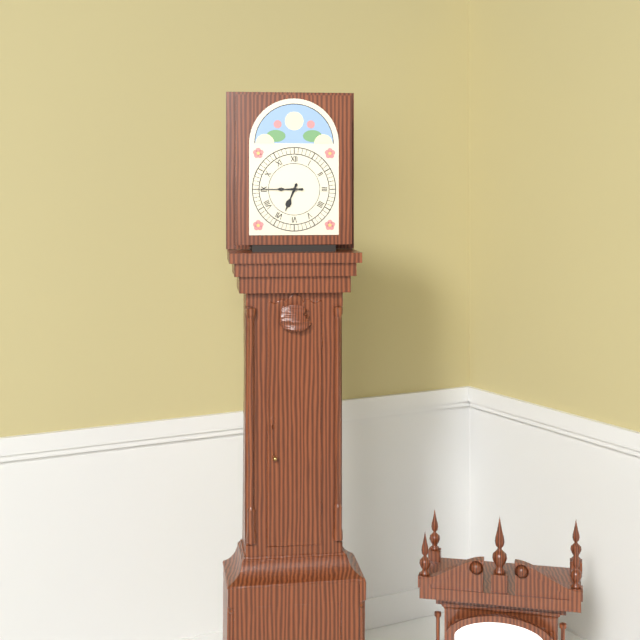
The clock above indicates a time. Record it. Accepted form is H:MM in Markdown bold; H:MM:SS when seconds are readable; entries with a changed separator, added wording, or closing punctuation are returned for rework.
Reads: **6:45**
